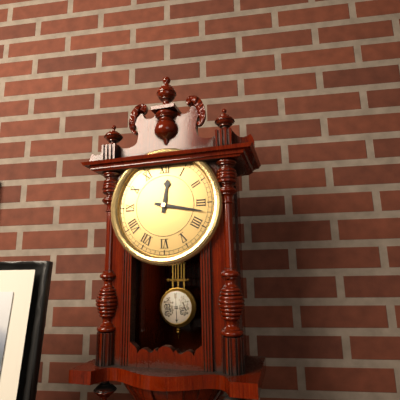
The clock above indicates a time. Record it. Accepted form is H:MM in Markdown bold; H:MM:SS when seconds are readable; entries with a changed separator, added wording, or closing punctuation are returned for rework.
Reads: **12:17**
